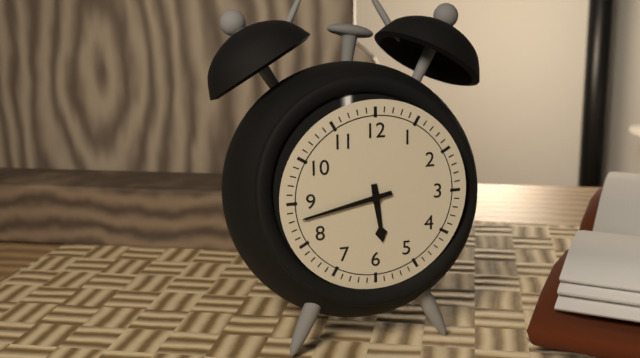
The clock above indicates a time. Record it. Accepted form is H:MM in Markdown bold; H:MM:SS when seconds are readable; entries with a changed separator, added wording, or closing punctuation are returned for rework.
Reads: **5:43**
